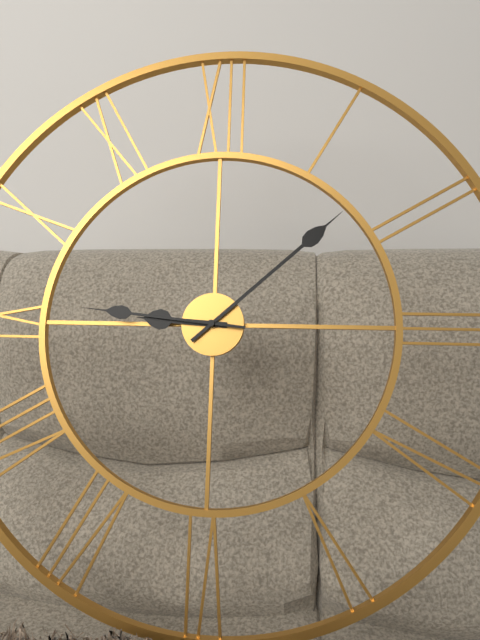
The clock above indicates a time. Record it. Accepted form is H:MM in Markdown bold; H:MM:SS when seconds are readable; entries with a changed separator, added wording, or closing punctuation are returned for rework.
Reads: **9:08:46**
